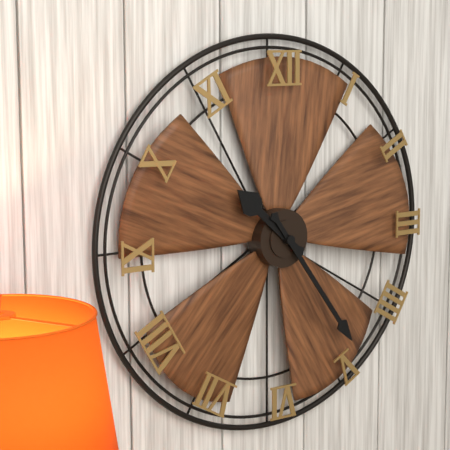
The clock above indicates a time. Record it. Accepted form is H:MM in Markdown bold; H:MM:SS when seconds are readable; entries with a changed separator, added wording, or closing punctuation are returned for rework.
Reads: **10:24**
